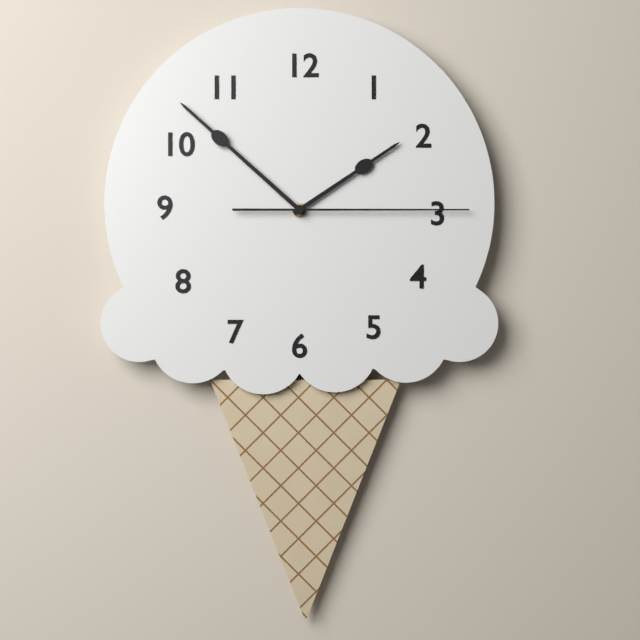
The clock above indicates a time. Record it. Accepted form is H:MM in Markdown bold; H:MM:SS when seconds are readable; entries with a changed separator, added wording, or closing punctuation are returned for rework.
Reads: **1:52:15**
